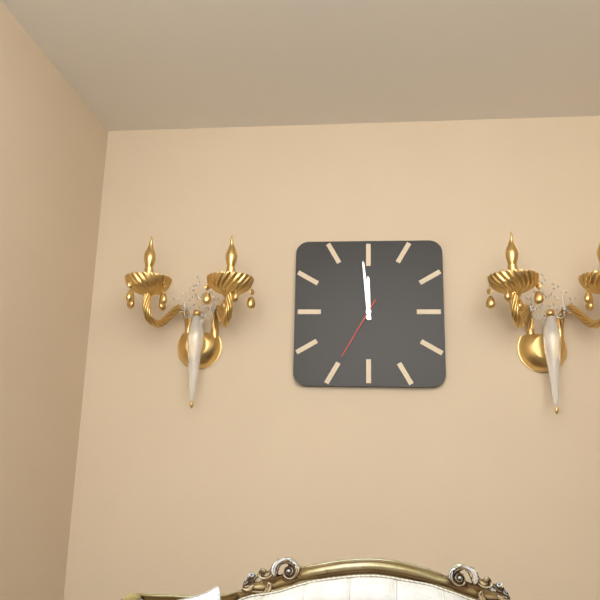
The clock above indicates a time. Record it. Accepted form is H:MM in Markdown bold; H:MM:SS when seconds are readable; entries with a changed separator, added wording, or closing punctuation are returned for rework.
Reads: **11:59:35**
